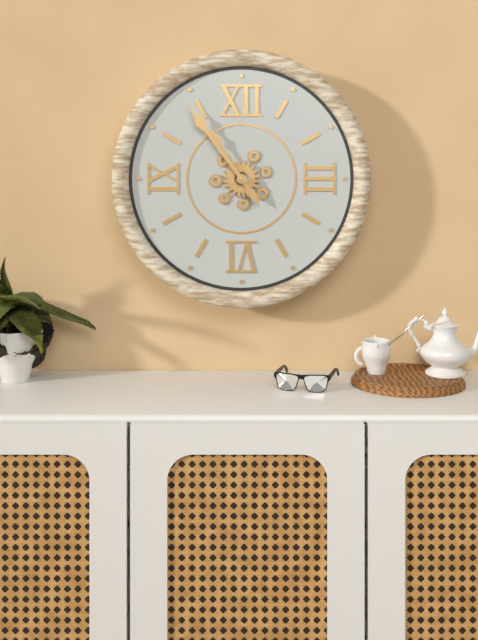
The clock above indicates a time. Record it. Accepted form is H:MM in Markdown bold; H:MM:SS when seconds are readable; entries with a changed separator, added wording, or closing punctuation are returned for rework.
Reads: **10:54**
